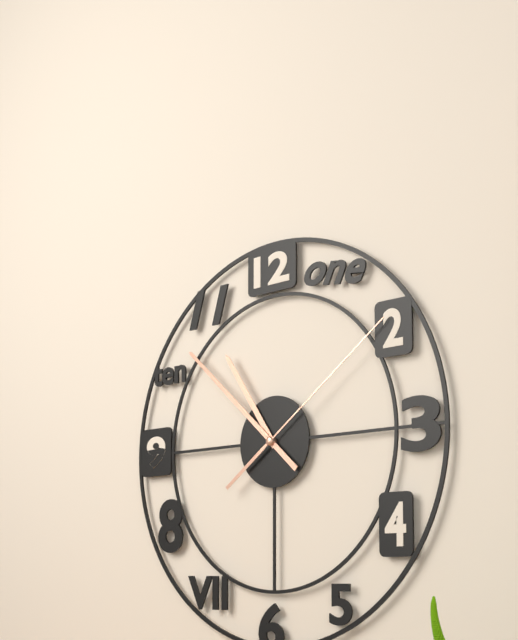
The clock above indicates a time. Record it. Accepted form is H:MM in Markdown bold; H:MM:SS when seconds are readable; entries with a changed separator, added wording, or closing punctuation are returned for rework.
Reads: **10:52:09**
